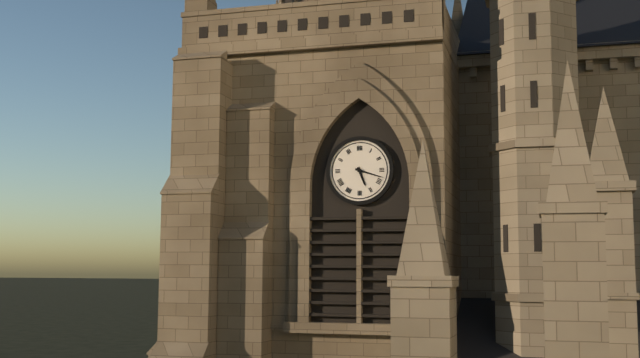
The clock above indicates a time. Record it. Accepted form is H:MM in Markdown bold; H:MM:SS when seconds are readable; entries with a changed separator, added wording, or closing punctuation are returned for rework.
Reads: **5:18**
